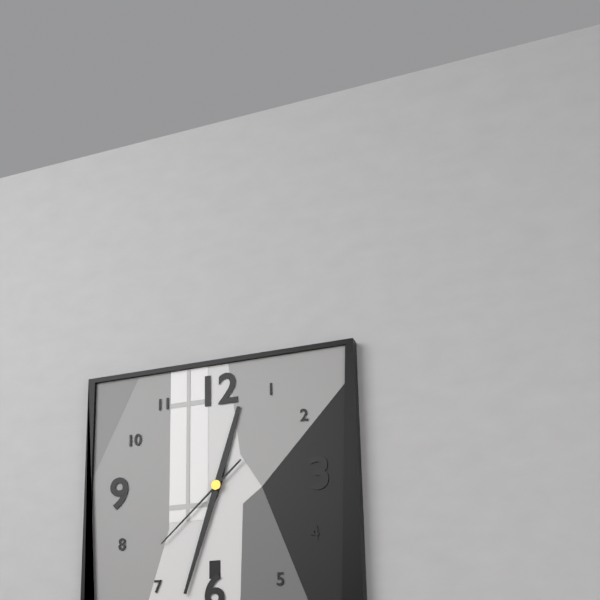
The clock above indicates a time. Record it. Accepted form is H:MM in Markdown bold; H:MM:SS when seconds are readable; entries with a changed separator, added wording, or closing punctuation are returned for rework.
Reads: **12:33:38**
